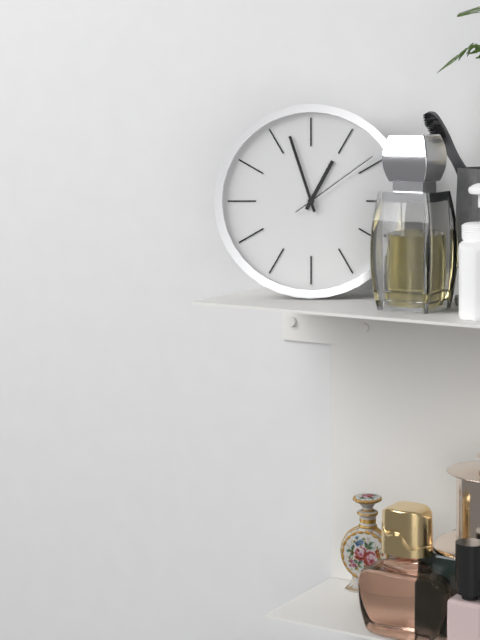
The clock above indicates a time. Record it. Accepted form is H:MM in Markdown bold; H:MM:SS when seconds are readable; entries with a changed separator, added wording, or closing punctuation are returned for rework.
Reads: **12:57:09**
